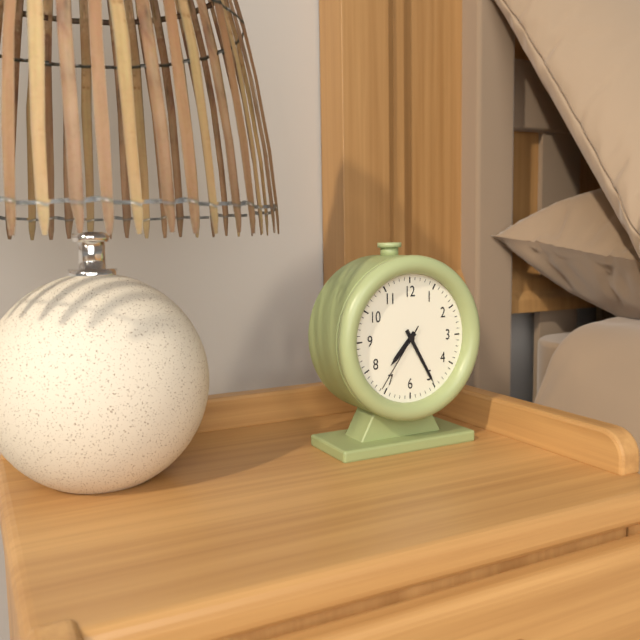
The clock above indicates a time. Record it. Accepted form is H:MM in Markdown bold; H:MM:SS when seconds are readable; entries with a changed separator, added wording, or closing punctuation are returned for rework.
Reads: **7:25:36**
